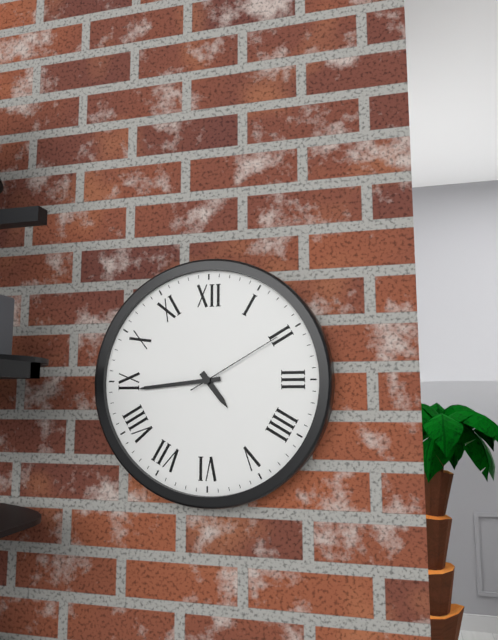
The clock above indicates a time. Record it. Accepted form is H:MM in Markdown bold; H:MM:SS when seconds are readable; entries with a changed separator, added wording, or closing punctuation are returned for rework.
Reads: **4:44:10**
